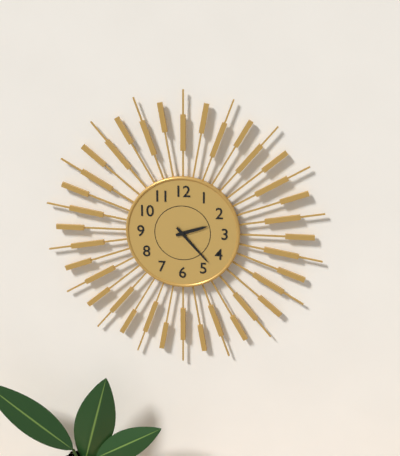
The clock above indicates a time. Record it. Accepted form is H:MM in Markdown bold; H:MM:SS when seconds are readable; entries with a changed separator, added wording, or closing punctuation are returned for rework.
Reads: **2:23**
